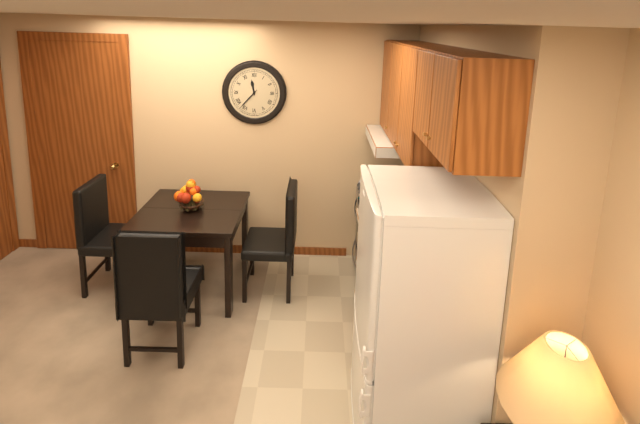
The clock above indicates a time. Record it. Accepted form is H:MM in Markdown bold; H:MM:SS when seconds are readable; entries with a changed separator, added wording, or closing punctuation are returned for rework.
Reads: **11:37**
